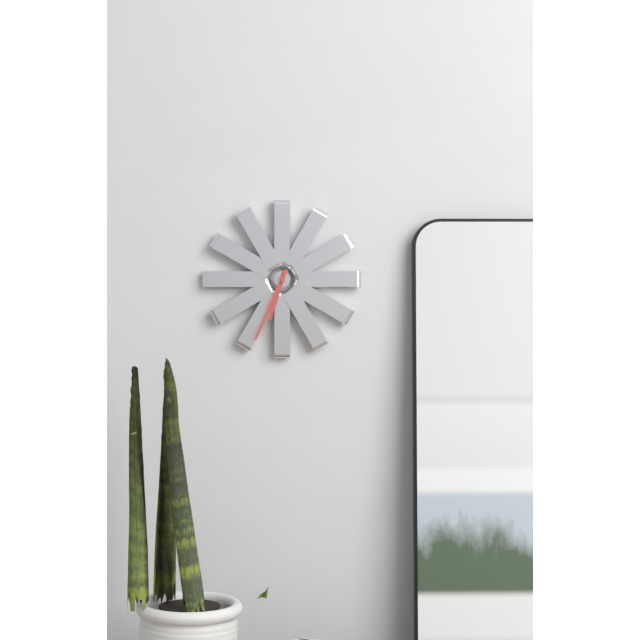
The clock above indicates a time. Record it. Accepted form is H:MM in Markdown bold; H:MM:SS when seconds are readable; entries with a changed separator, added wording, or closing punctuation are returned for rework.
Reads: **6:34**
